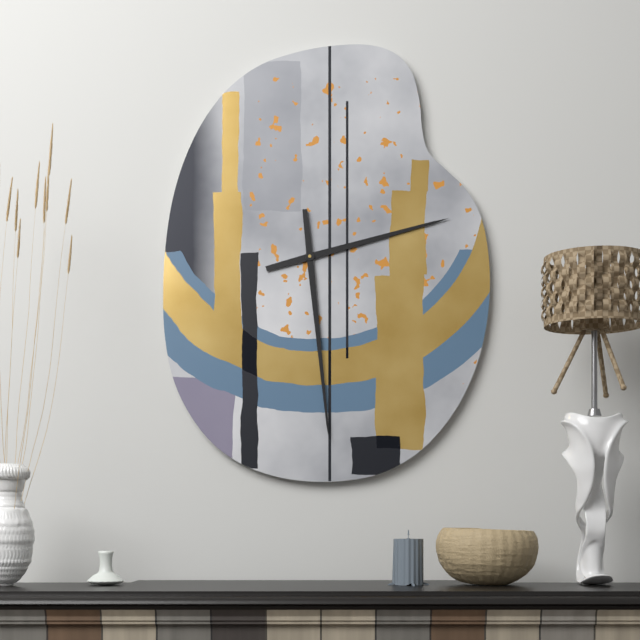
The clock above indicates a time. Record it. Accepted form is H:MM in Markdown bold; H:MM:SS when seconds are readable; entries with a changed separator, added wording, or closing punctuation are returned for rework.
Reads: **2:29**
